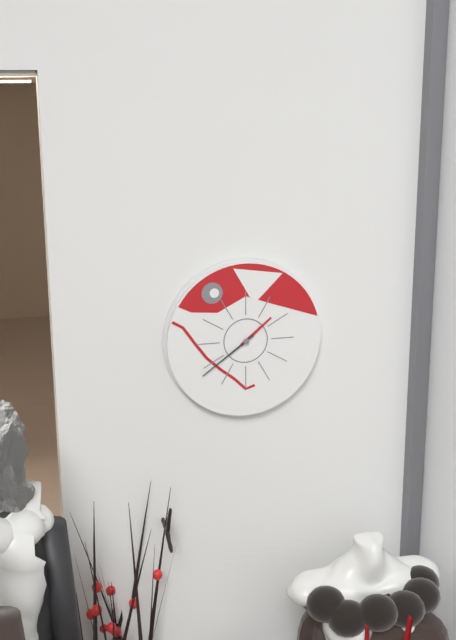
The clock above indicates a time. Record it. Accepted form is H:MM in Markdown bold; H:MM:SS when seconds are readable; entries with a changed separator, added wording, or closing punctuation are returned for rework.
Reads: **1:39**
